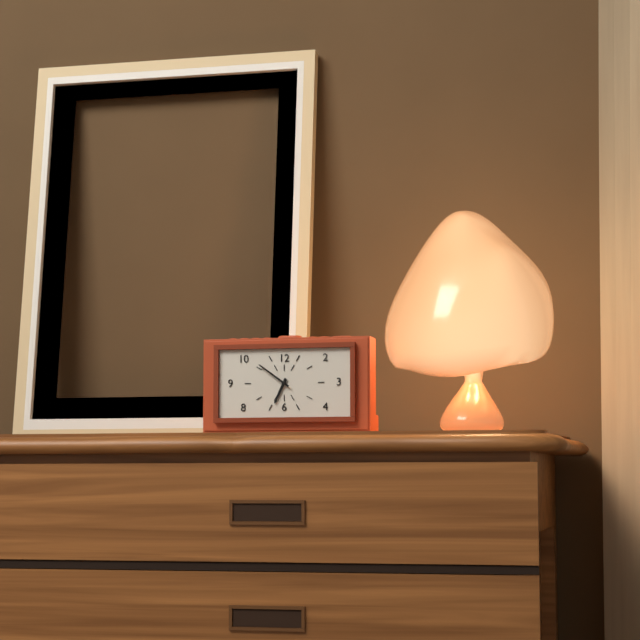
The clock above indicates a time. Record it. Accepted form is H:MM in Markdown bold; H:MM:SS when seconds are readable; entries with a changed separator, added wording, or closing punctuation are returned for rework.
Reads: **6:51**
